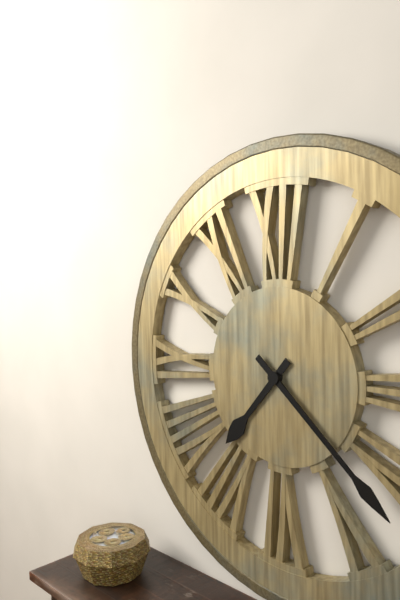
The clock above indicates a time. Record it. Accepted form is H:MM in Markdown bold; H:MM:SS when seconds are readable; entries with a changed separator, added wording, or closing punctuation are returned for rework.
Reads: **7:22**
